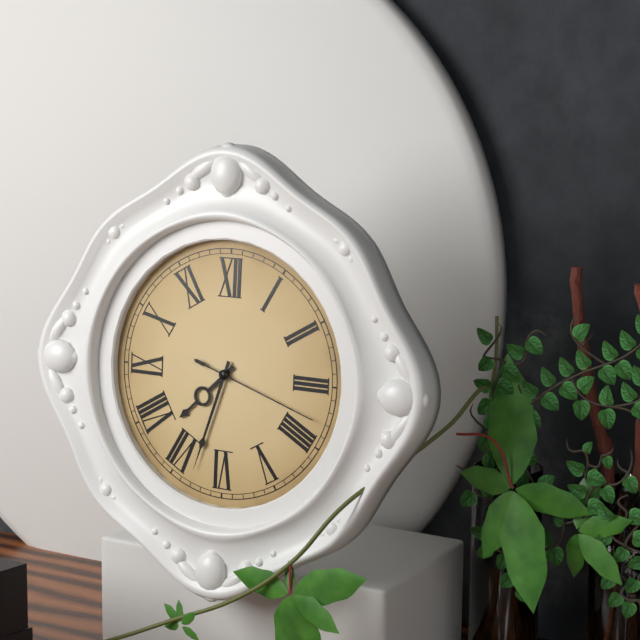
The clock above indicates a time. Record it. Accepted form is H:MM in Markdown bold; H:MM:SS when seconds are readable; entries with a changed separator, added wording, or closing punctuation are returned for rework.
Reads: **7:33:18**
